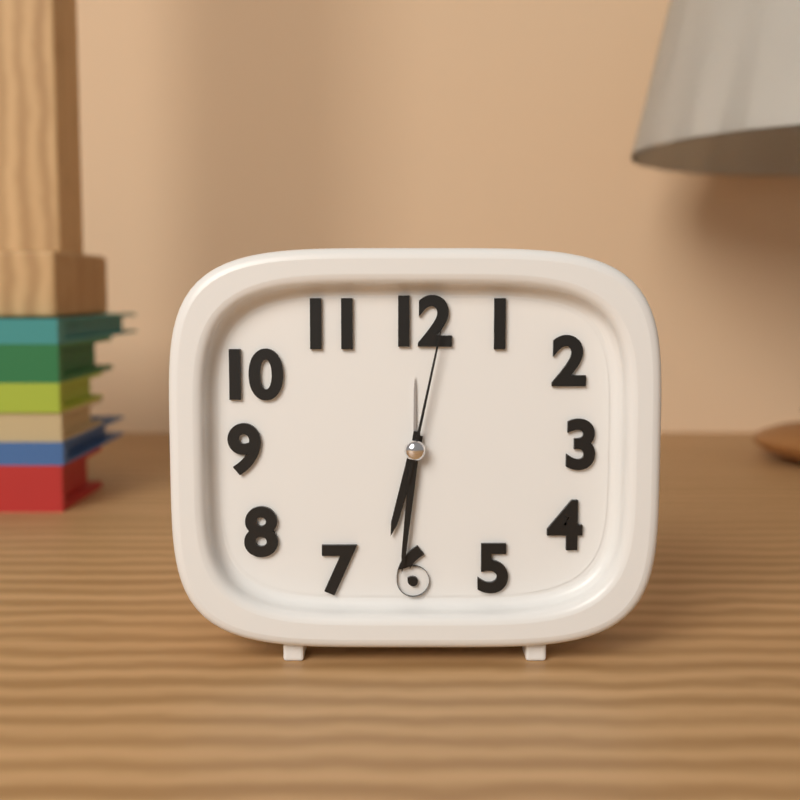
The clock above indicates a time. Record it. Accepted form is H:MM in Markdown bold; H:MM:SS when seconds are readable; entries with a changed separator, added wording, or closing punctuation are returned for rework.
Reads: **6:31:02**
